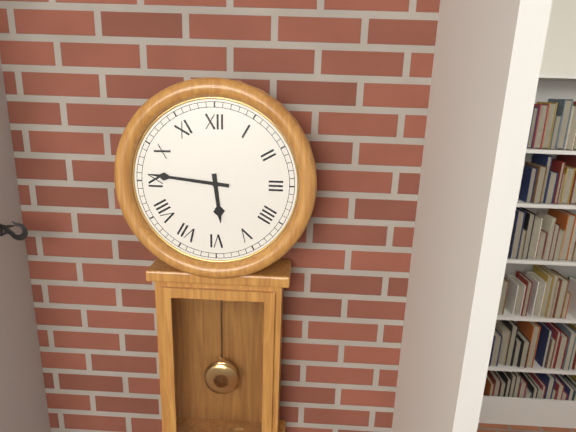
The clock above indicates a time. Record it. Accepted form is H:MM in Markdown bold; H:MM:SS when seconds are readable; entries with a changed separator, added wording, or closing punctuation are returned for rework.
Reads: **5:46**
